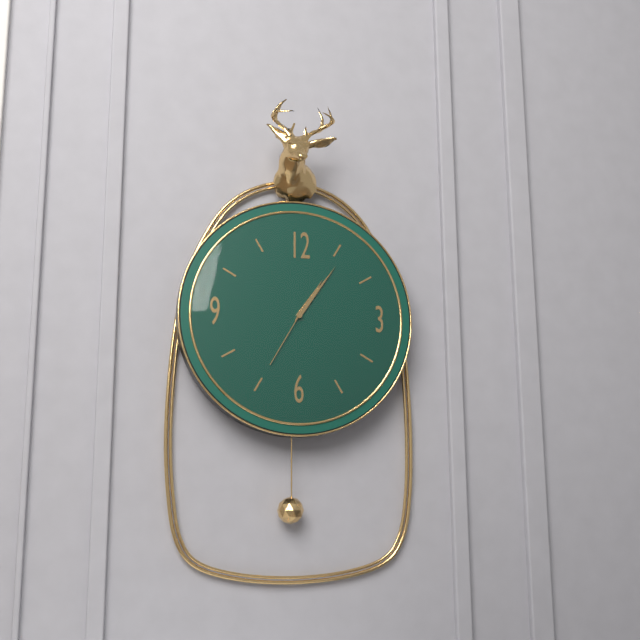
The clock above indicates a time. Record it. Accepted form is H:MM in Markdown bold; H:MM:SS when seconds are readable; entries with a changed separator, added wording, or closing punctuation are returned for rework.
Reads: **1:06:35**
